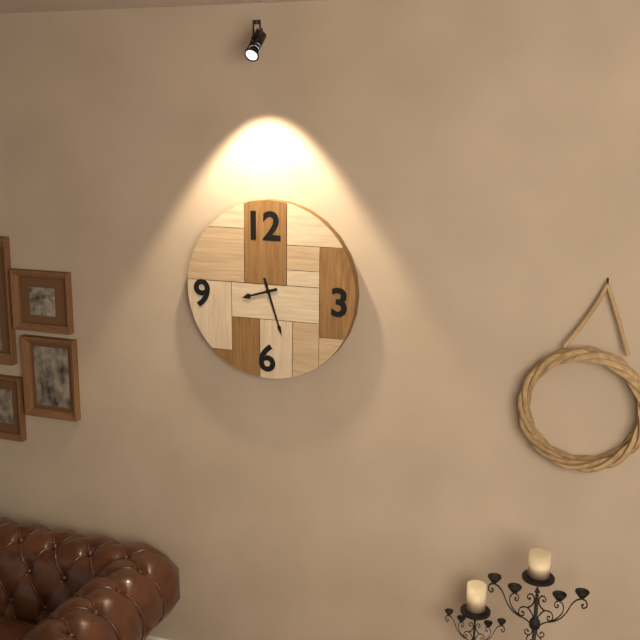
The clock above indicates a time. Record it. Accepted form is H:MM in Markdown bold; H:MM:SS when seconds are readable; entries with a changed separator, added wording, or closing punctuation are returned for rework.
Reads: **8:27**
